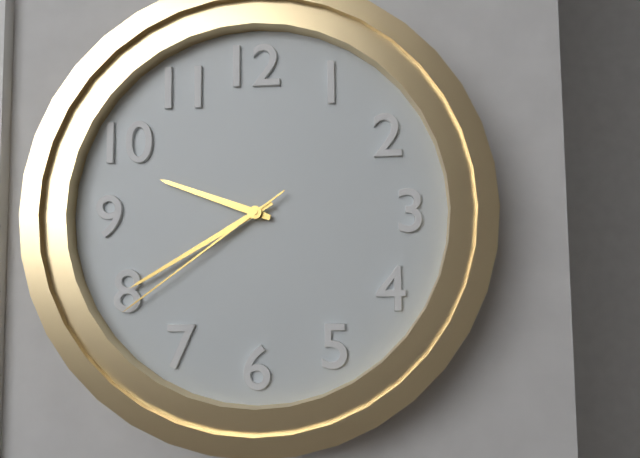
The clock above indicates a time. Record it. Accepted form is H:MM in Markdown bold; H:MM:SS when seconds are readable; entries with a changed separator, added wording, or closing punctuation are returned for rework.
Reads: **9:40:39**
